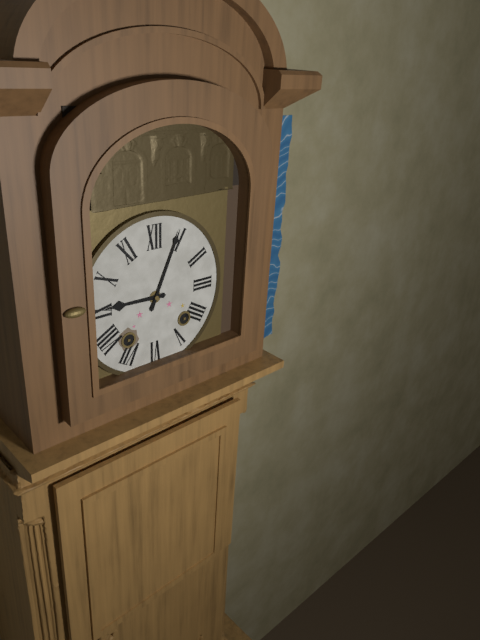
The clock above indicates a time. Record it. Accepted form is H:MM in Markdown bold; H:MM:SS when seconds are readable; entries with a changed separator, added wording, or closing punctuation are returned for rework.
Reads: **9:04**
